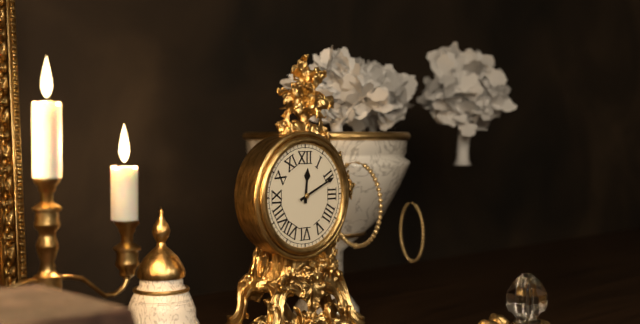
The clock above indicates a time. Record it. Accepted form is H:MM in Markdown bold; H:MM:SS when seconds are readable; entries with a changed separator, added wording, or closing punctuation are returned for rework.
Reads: **12:11**
